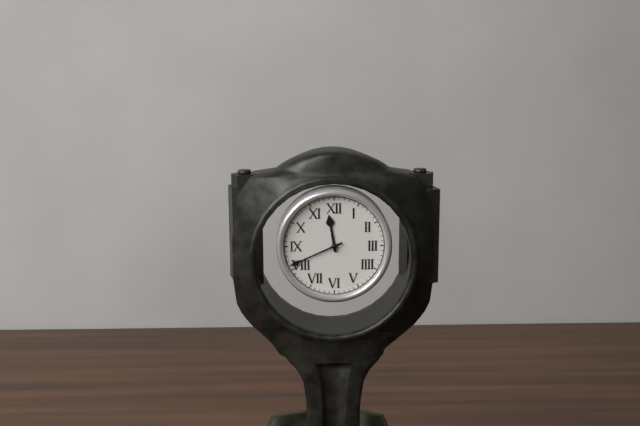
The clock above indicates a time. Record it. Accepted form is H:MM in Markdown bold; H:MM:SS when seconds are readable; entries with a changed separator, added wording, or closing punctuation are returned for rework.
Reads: **11:41**
